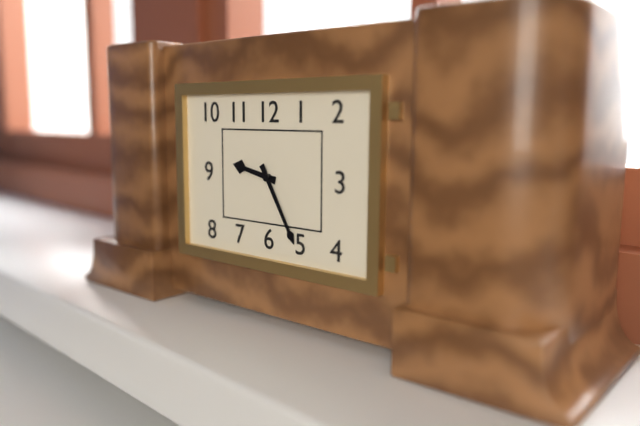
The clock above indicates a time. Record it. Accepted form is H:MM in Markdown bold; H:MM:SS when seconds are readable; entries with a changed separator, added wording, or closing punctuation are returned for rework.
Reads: **9:25**
